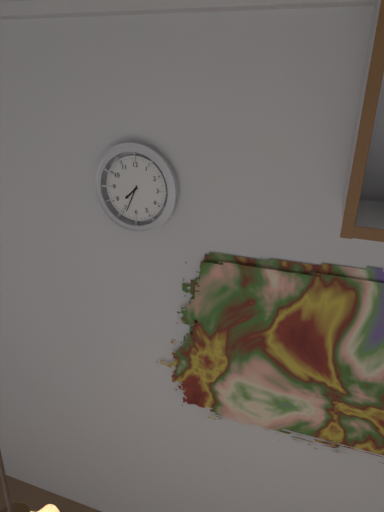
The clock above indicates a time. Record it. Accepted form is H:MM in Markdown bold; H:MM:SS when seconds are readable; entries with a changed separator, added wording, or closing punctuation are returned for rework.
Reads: **7:34**
